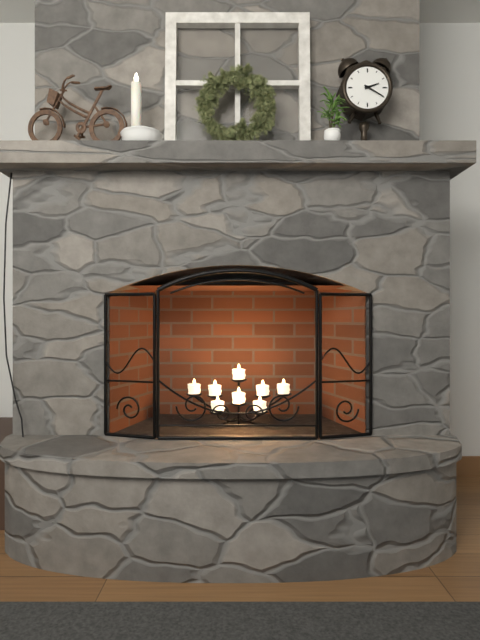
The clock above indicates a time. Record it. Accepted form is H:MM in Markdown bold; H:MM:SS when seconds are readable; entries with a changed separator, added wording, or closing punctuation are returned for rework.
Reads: **2:20**
